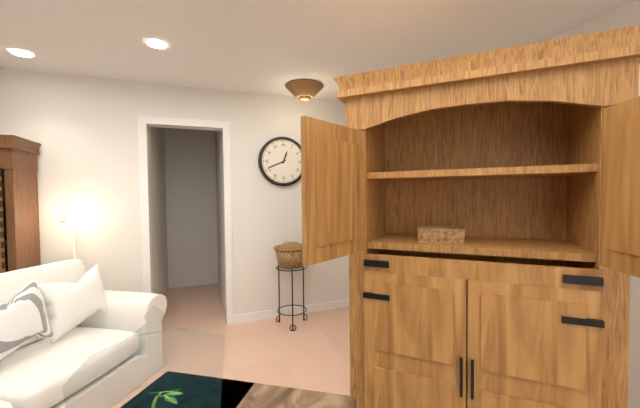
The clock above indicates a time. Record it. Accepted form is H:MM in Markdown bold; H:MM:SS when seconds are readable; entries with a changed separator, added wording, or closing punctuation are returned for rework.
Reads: **12:41**
